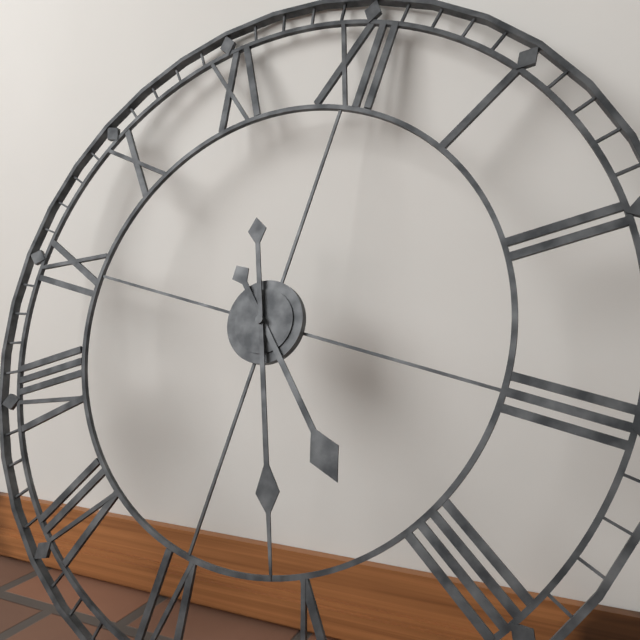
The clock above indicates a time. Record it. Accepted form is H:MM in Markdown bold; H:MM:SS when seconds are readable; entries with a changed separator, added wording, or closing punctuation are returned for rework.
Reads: **4:26**
